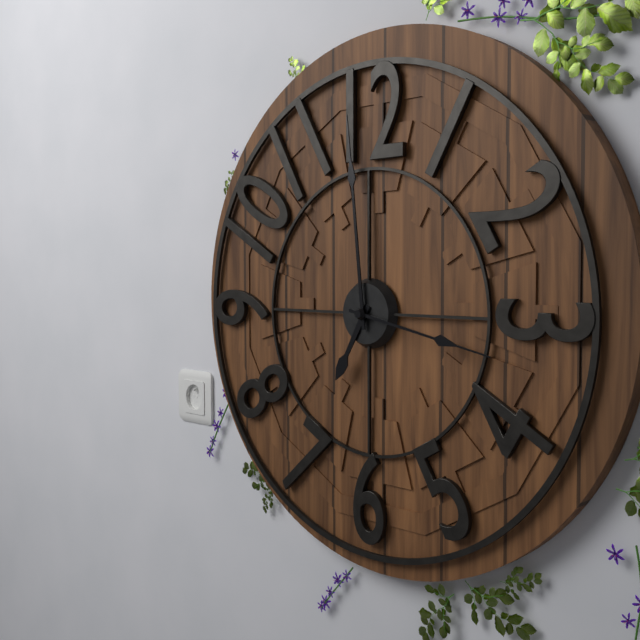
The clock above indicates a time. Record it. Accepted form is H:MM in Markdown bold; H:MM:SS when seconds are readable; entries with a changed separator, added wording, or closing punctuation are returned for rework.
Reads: **6:59:17**
